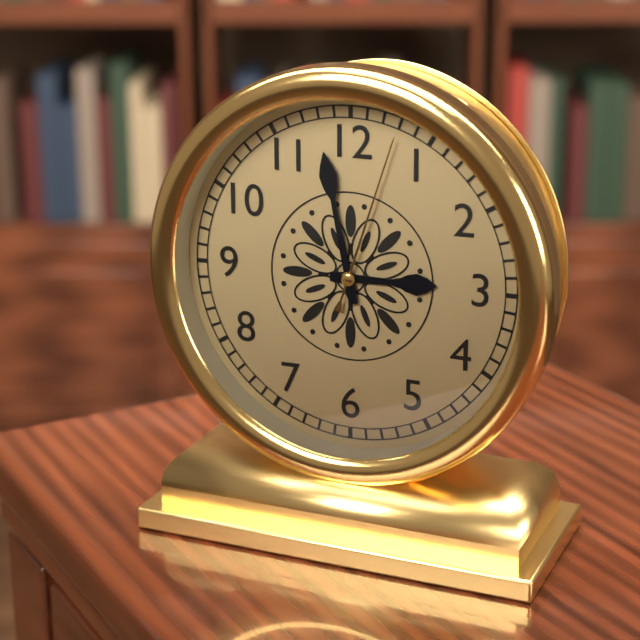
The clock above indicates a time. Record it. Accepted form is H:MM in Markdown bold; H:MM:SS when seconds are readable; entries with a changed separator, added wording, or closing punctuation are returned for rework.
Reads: **2:58:03**
